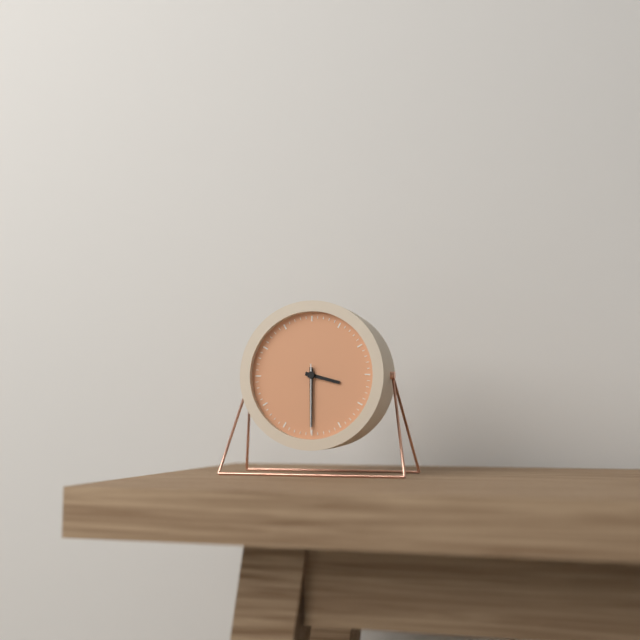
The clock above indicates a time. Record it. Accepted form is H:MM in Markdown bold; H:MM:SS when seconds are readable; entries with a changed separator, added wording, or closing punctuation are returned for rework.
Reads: **3:30:30**
